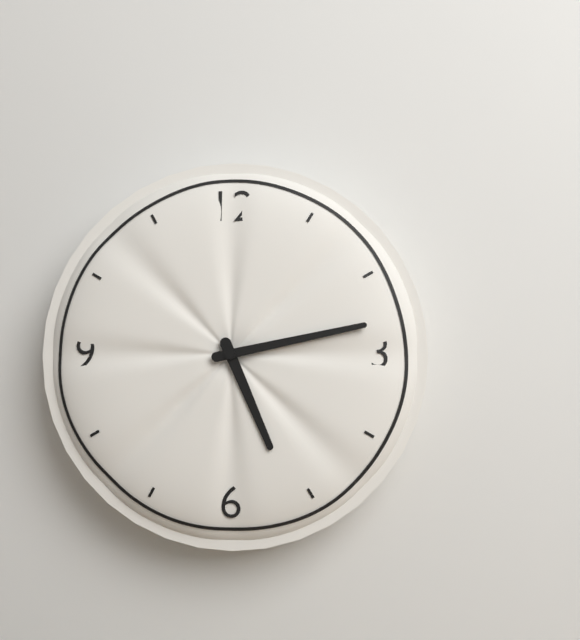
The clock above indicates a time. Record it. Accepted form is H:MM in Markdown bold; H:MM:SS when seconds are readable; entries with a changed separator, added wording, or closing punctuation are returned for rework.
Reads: **5:13**
